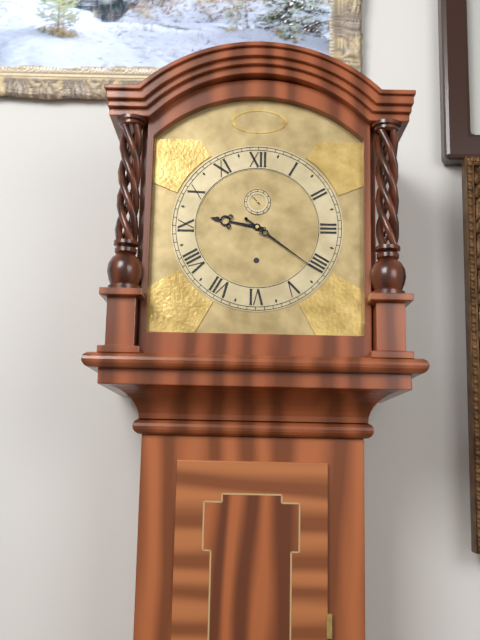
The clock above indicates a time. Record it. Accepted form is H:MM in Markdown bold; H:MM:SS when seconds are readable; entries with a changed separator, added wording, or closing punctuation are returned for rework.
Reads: **9:21**
